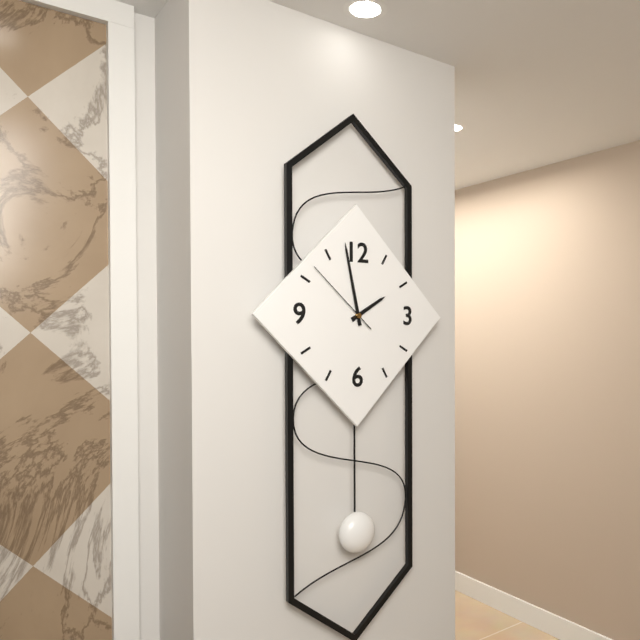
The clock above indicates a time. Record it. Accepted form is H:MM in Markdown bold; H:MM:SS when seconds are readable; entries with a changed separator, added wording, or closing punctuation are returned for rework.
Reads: **1:58:52**
